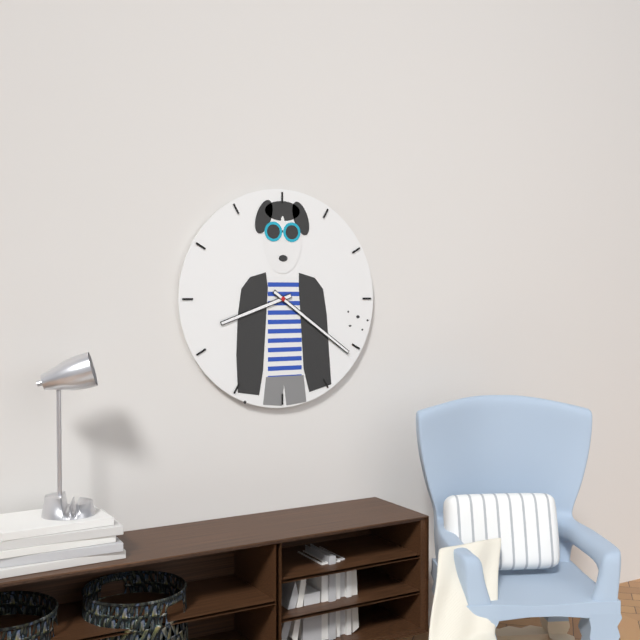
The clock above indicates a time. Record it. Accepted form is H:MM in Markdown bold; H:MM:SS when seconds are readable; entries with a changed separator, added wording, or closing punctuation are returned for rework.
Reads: **8:21**
